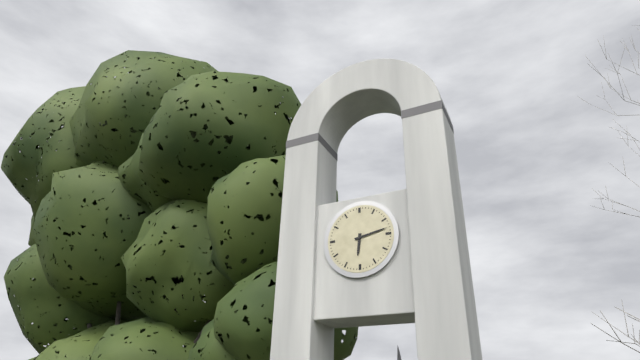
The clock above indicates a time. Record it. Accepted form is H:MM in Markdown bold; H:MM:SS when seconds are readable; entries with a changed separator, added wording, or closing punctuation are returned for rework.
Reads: **6:13**
